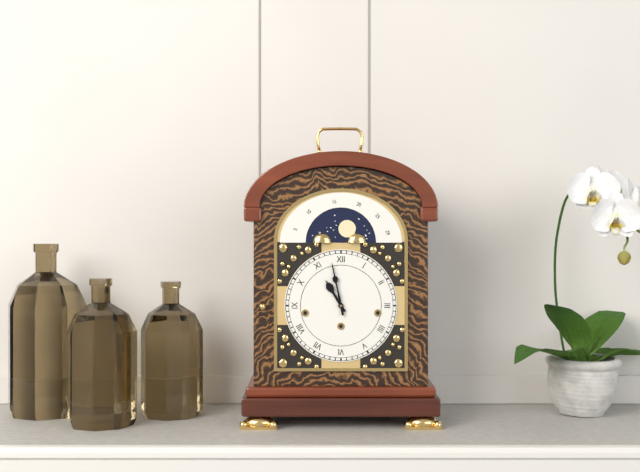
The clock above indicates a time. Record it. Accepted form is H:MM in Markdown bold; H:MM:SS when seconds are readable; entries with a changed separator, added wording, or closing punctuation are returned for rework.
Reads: **10:58**
